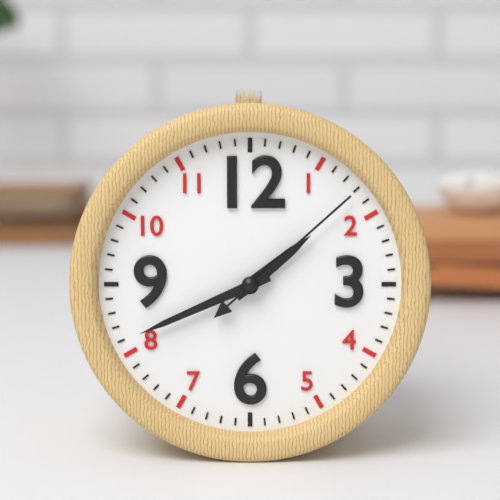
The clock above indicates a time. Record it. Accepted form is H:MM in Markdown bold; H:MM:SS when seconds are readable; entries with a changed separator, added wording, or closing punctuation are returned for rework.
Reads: **1:41:08**
